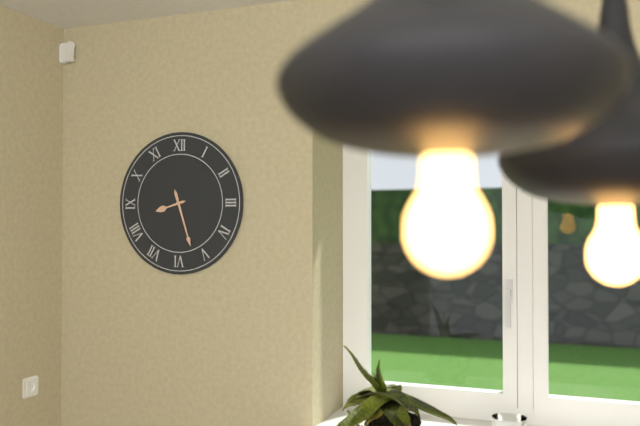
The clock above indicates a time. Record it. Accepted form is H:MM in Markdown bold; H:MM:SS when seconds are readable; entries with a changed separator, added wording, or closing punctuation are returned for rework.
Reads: **8:27**
